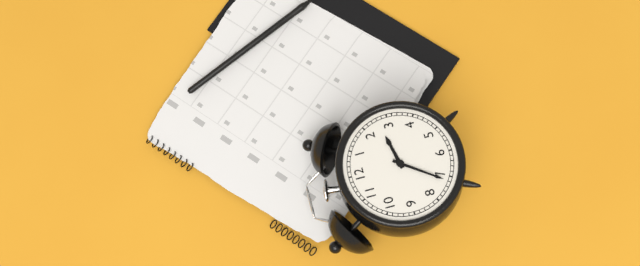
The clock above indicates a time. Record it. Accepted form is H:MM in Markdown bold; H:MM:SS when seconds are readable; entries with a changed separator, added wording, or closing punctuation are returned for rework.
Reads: **2:36**
